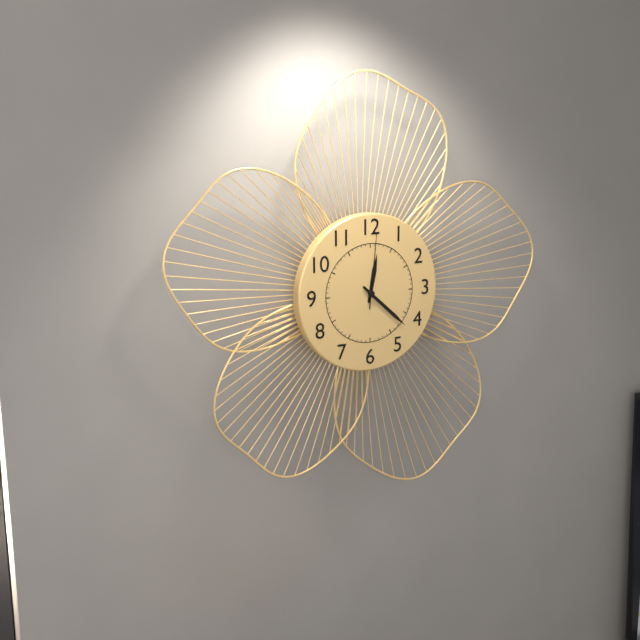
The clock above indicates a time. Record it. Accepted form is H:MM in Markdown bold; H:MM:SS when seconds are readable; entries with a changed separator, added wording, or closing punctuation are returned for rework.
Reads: **12:22:01**
